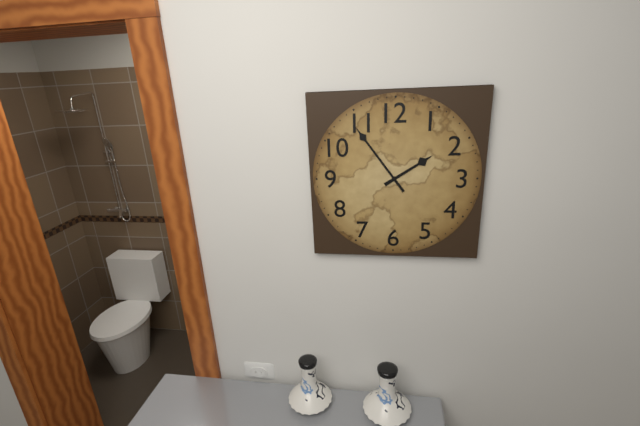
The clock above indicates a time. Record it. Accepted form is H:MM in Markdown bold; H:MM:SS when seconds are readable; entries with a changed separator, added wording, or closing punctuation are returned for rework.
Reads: **1:54**
